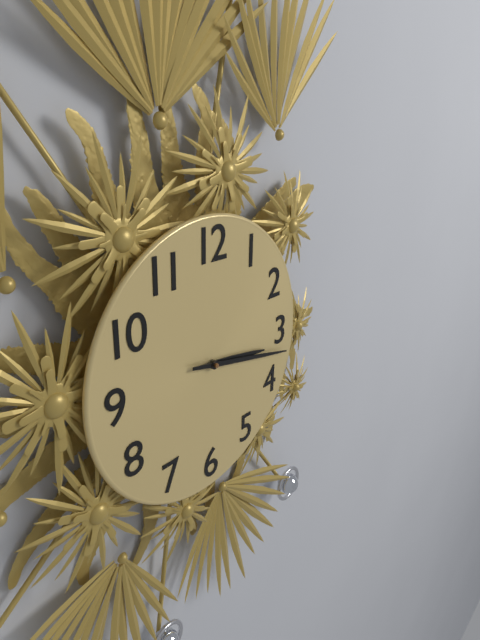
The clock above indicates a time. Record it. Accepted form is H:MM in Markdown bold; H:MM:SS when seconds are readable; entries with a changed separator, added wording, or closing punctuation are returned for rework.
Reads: **3:17**
